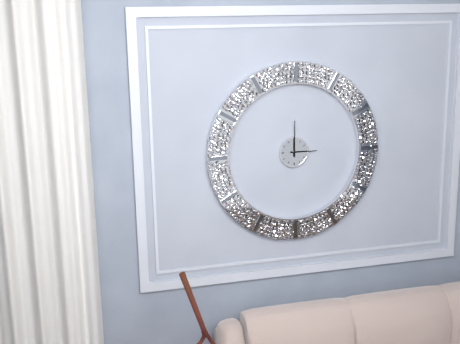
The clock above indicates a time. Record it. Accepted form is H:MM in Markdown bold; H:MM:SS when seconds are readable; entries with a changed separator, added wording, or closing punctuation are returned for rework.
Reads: **3:00**
